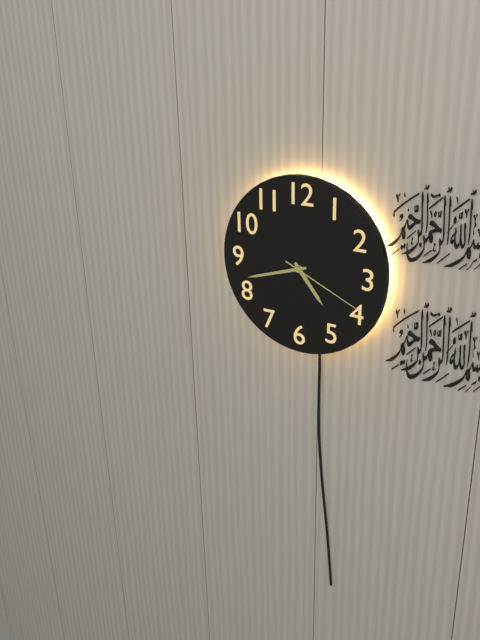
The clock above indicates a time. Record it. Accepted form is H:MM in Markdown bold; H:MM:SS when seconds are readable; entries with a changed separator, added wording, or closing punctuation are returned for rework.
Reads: **4:42:19**
